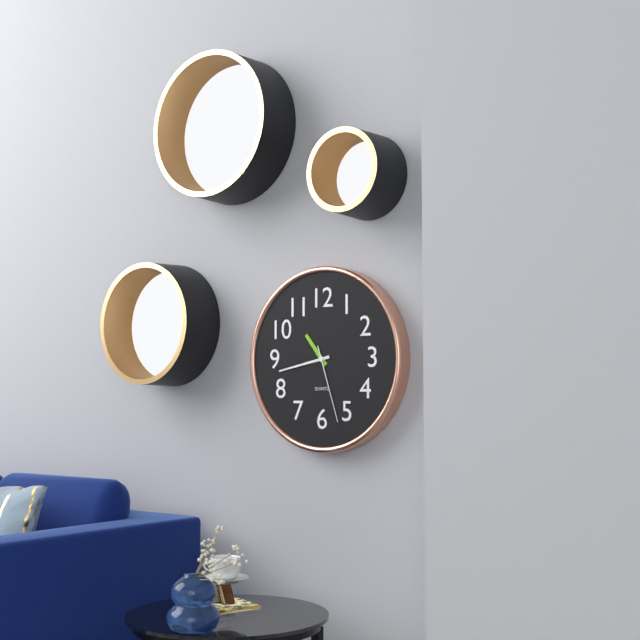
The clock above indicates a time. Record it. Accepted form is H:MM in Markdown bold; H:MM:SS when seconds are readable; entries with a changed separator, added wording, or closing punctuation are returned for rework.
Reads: **10:43:27**
